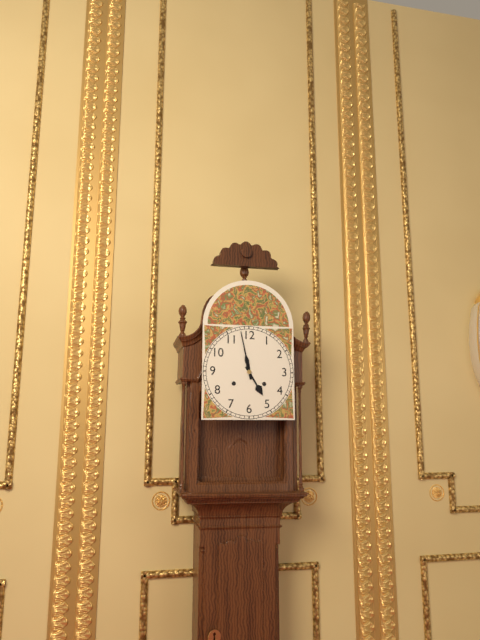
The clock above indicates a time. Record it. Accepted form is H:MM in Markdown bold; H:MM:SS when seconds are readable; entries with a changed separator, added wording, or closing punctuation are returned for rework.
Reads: **4:58**
